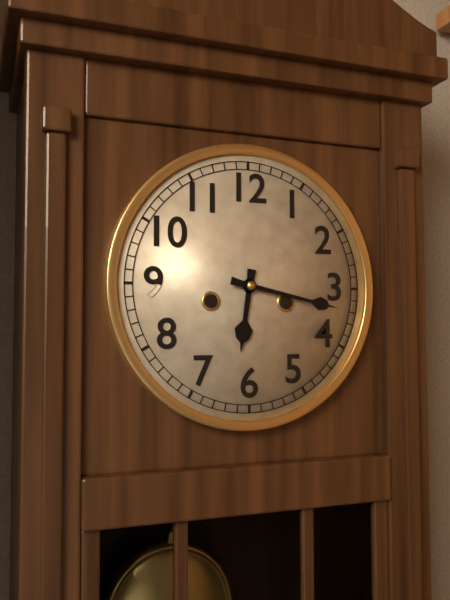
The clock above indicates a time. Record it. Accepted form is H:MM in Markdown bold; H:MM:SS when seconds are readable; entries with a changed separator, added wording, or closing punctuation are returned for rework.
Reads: **6:17**
